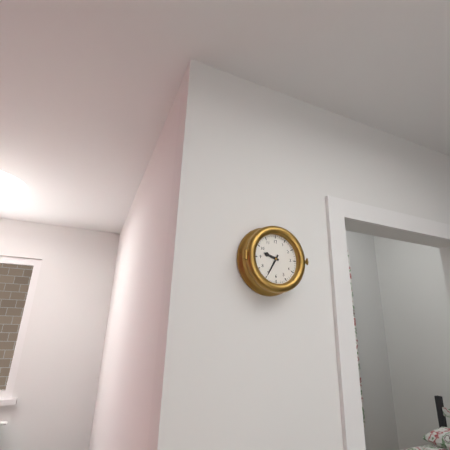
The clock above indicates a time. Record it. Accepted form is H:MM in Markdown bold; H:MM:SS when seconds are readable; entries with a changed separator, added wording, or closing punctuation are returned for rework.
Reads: **9:35**
